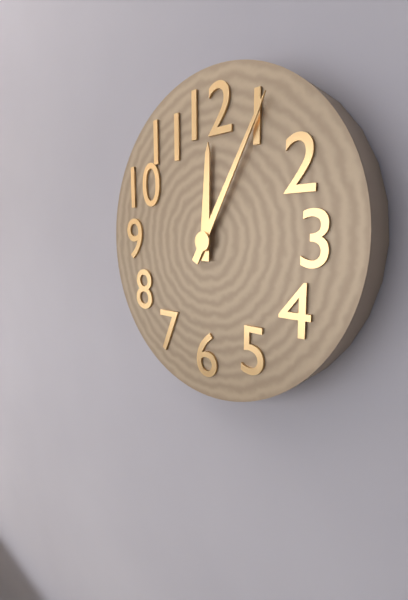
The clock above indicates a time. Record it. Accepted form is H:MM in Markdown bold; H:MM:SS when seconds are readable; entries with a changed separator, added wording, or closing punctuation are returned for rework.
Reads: **12:05**
